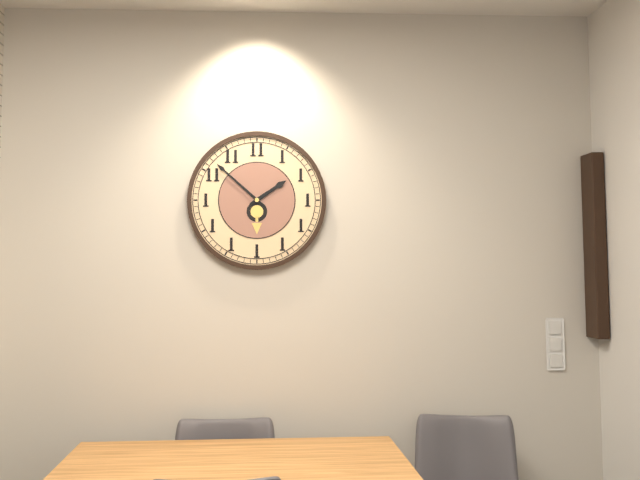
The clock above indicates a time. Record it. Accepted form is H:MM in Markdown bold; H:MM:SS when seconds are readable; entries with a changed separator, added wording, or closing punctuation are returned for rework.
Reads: **1:52**
